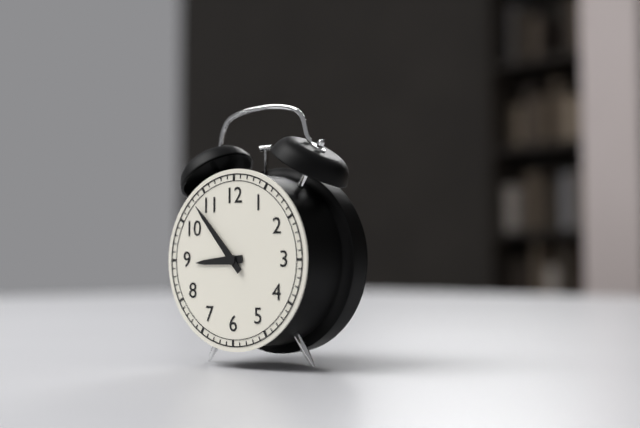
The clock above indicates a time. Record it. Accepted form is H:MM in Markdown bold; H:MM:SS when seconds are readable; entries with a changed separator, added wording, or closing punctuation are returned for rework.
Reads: **8:53**
